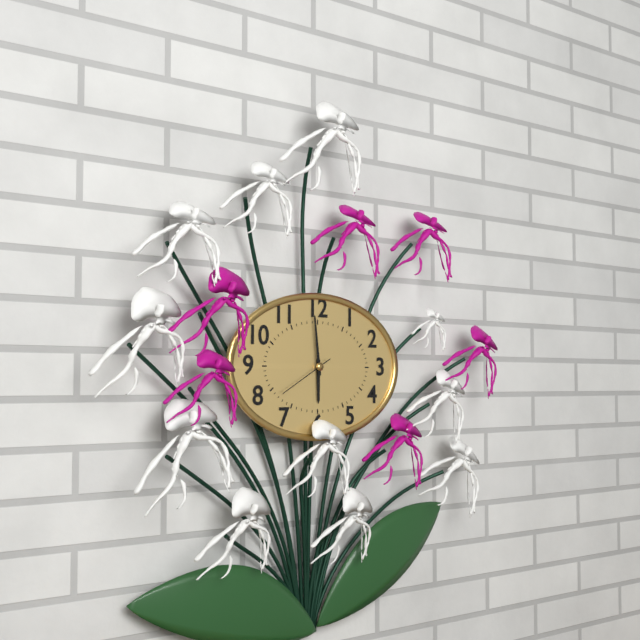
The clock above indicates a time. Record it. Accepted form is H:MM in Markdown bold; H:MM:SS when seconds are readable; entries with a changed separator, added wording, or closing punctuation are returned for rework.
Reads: **5:59:40**
